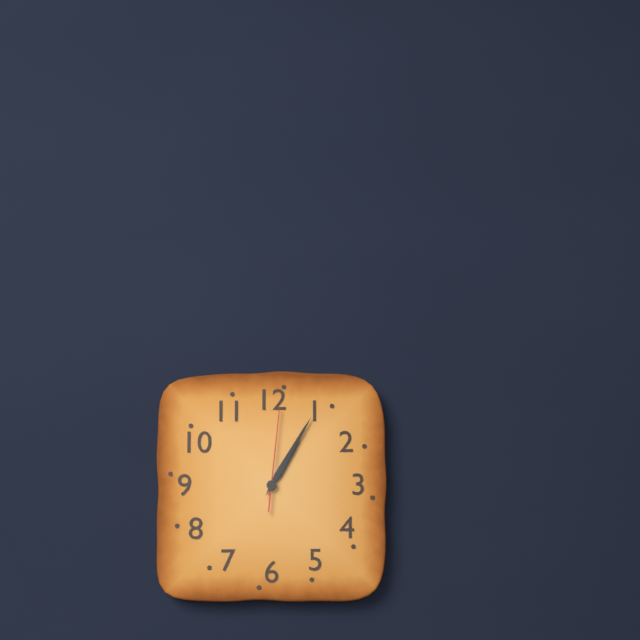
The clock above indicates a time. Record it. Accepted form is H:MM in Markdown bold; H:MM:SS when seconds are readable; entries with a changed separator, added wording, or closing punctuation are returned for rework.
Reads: **1:05:01**
